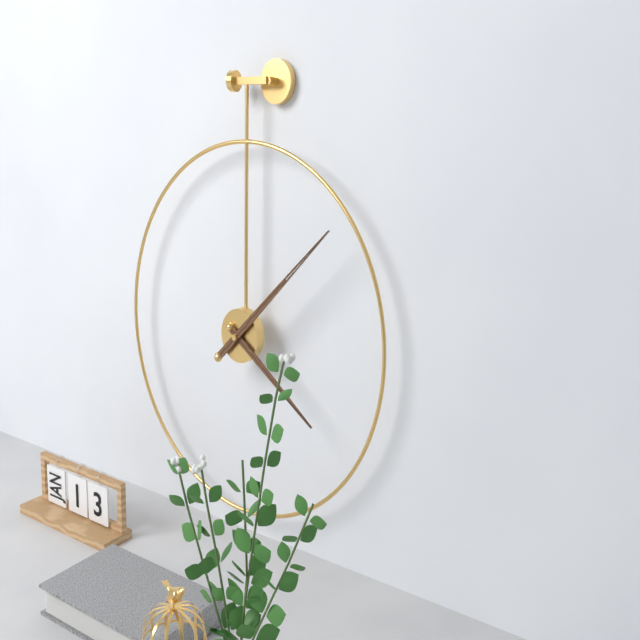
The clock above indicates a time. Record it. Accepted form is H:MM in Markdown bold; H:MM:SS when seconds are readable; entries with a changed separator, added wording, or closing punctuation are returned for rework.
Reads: **4:08**
